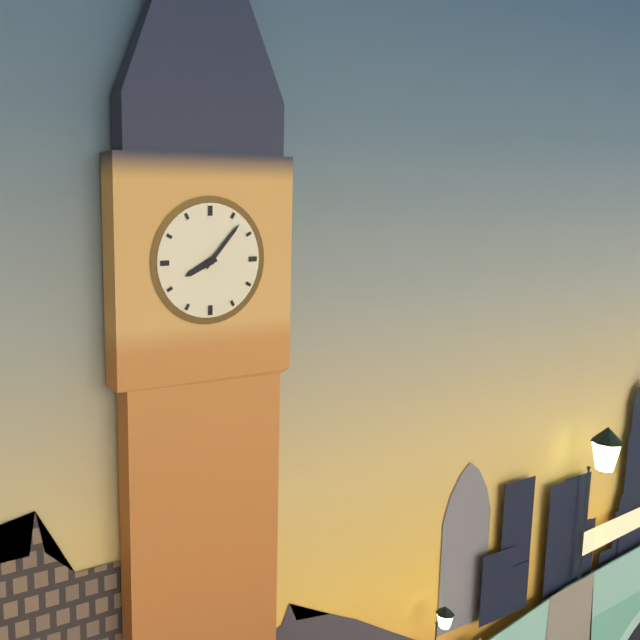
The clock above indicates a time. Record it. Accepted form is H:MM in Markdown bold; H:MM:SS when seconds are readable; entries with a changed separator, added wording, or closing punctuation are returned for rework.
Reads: **8:07**
